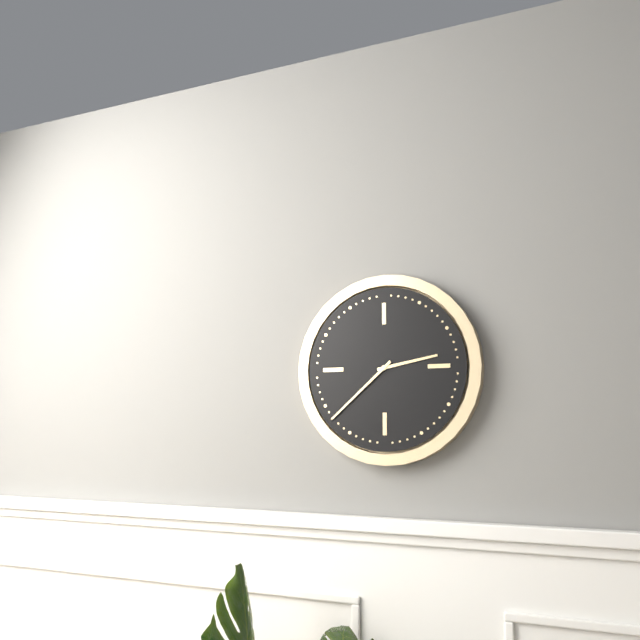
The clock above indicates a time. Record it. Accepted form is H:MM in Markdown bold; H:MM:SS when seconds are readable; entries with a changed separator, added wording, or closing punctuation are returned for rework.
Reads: **2:38**
